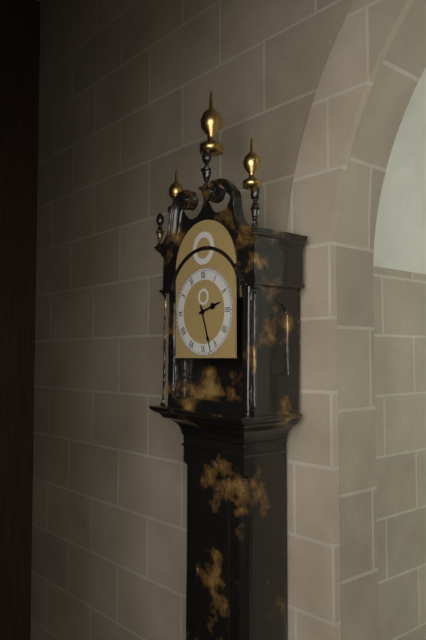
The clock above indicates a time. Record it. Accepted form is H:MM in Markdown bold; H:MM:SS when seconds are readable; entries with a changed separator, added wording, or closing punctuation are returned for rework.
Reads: **2:27**
